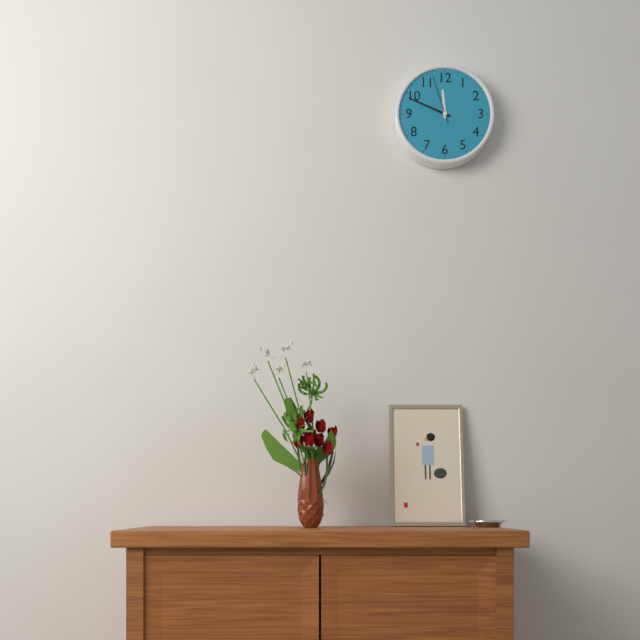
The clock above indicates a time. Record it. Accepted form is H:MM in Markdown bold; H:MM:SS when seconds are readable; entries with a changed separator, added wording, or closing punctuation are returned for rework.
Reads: **11:49:57**
